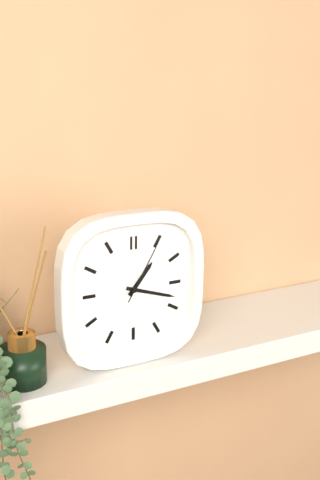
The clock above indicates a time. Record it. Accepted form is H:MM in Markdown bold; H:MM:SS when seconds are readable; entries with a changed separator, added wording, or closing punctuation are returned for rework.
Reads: **1:18:05**
